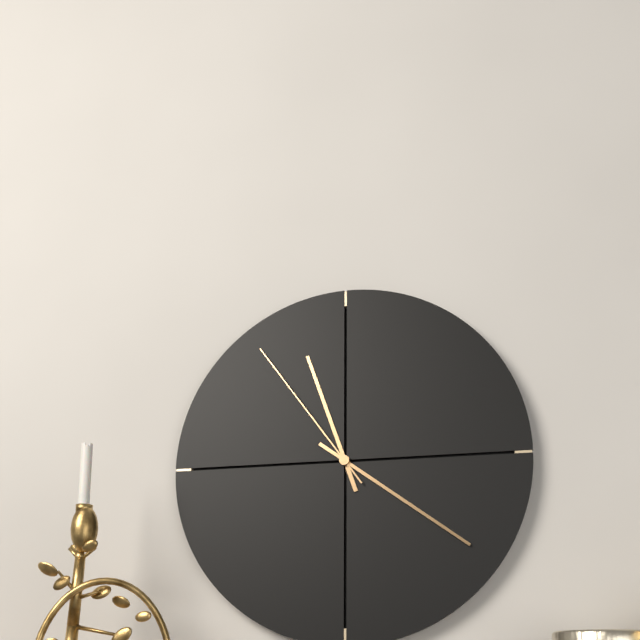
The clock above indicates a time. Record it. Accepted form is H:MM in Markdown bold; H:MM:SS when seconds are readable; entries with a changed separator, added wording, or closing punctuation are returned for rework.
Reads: **11:21:54**
